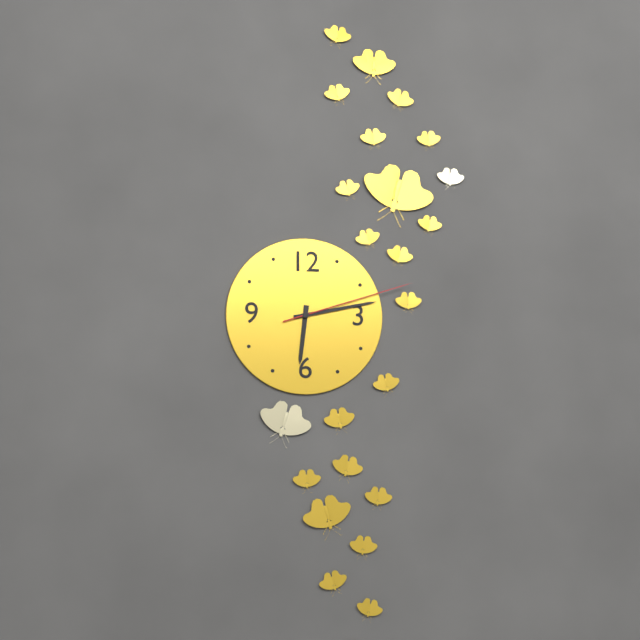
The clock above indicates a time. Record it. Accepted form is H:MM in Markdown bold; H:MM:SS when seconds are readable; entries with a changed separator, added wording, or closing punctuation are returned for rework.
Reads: **6:13:12**
